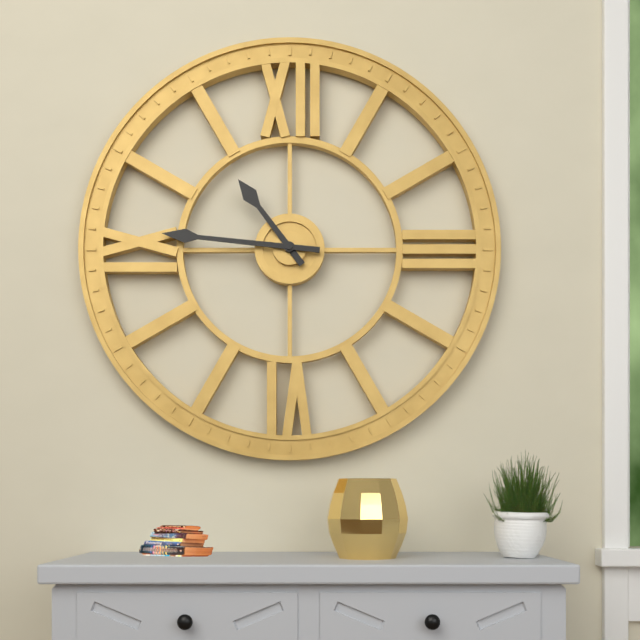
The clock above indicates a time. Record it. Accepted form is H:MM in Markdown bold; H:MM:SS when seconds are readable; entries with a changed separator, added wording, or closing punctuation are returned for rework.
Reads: **10:46**
